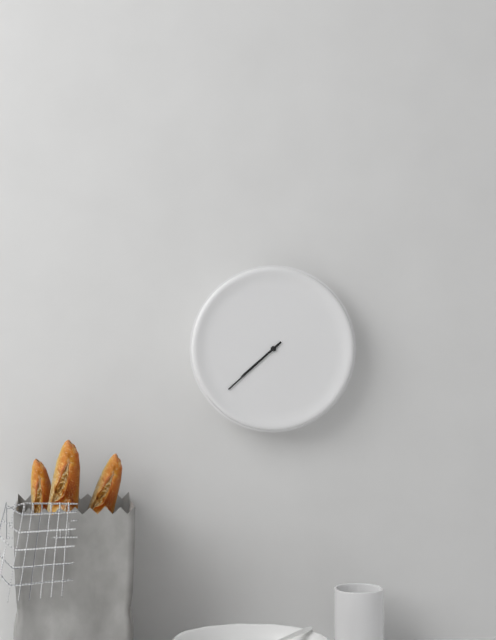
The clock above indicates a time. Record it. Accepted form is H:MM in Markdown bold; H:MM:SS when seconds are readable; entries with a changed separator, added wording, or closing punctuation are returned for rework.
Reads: **7:38**
